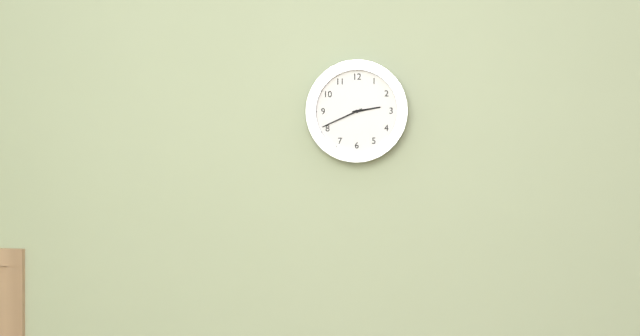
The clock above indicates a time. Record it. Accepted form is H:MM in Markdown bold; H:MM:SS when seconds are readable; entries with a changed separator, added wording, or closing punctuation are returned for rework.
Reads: **2:41**
